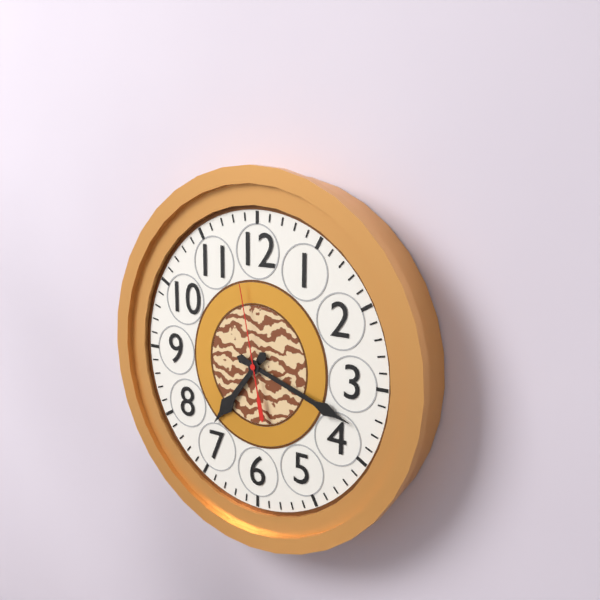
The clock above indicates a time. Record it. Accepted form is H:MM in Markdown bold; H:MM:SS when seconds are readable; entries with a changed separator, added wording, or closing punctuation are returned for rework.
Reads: **7:18:58**
